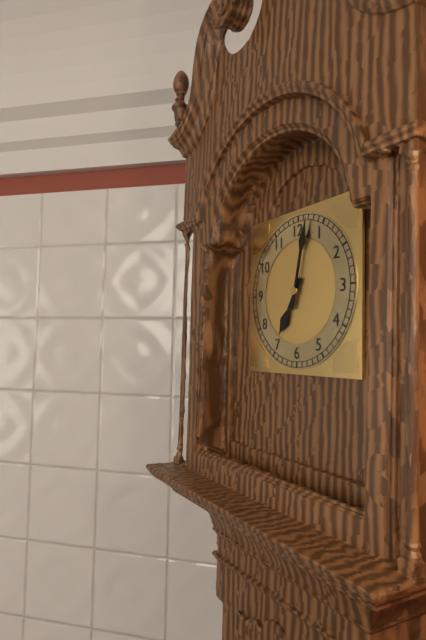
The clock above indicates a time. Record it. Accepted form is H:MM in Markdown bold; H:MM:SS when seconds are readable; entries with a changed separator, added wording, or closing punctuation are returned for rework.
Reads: **7:02**
